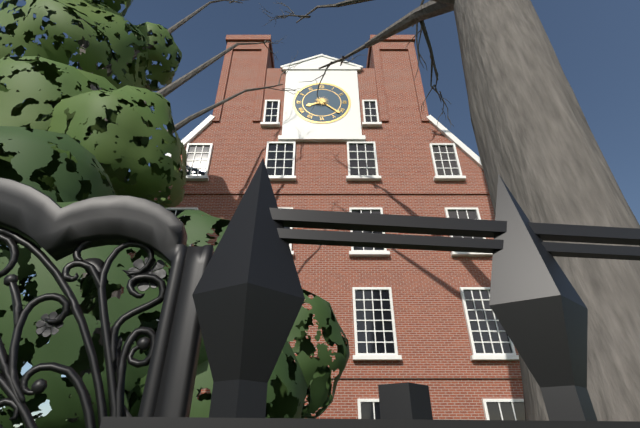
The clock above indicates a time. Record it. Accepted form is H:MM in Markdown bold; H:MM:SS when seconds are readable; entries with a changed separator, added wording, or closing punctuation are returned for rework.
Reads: **8:22**
